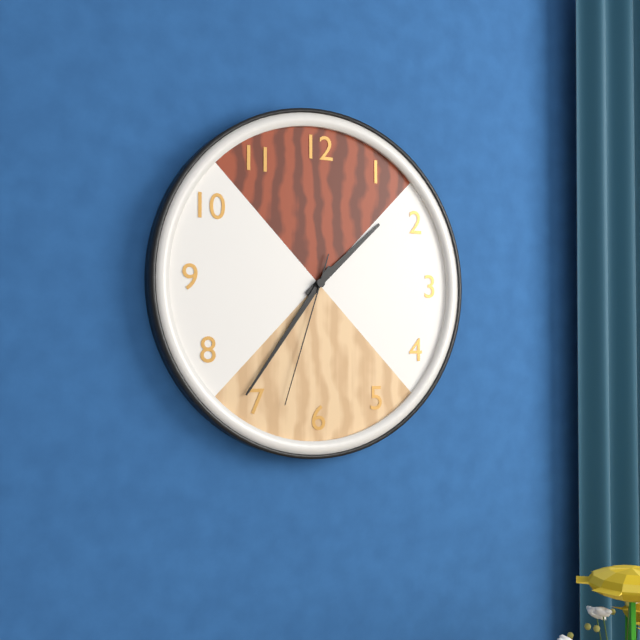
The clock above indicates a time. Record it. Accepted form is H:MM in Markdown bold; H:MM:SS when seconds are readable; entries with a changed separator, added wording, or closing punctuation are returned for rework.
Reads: **1:36:33**
